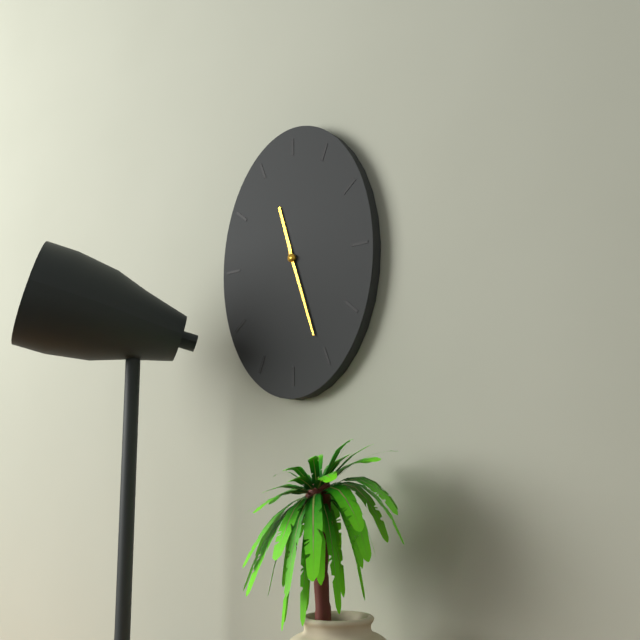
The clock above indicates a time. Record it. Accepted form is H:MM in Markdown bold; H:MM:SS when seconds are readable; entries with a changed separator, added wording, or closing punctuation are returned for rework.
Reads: **11:27**
